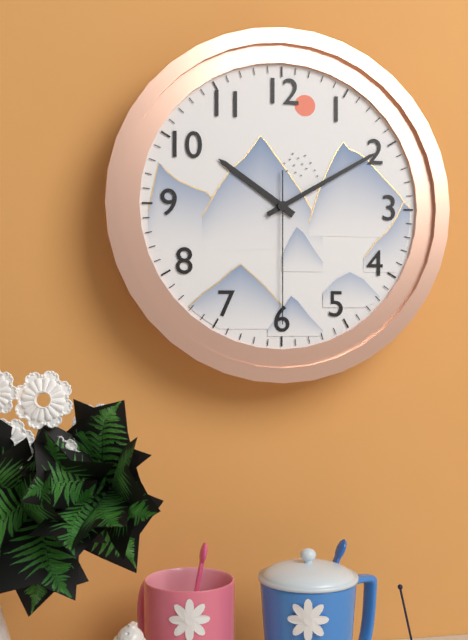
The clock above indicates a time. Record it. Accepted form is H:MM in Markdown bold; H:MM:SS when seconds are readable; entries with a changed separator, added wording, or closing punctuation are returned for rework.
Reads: **10:10:30**
